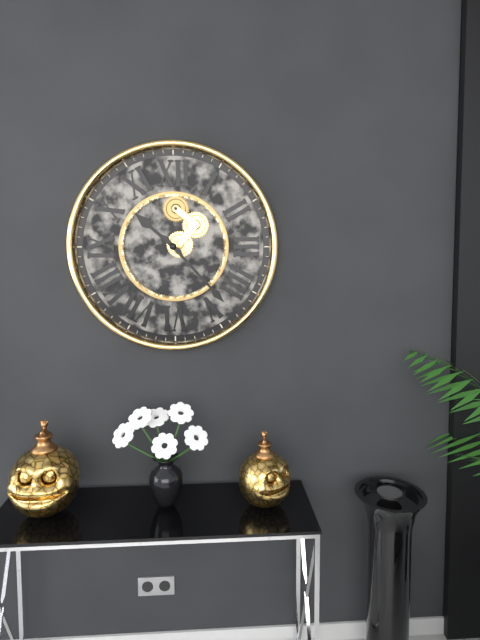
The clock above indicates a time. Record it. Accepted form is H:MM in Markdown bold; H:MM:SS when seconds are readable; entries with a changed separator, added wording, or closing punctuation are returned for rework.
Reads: **10:23**
